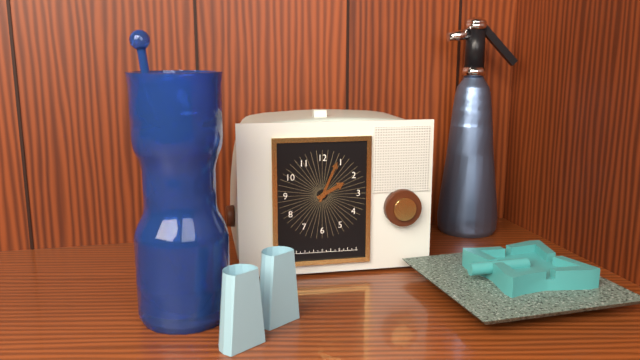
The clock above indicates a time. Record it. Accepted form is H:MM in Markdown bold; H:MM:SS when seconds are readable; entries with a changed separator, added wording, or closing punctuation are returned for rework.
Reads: **2:04**
